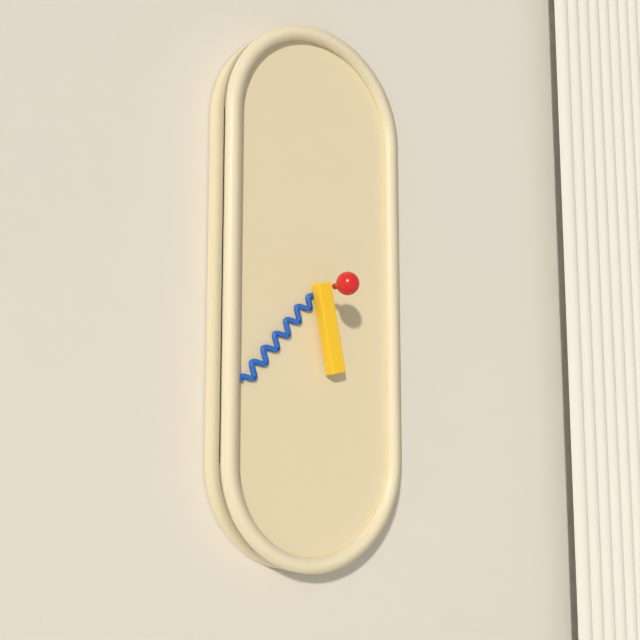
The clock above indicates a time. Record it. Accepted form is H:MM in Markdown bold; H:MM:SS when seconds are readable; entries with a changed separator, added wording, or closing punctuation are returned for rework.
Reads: **5:37**
